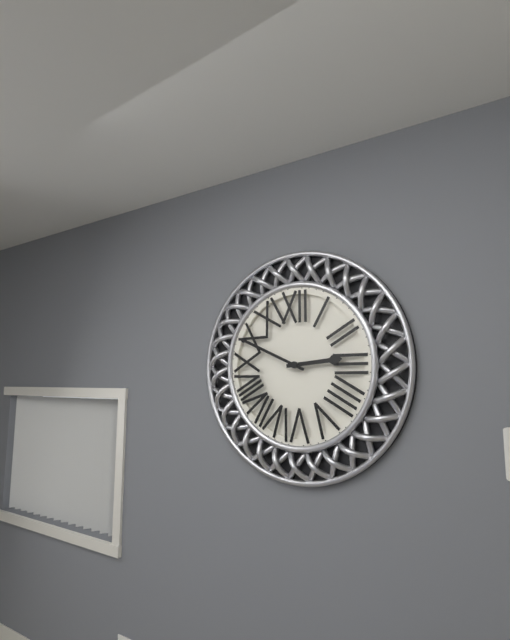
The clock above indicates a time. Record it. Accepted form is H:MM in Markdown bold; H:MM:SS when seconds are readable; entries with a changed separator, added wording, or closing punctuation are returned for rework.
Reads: **2:49**
